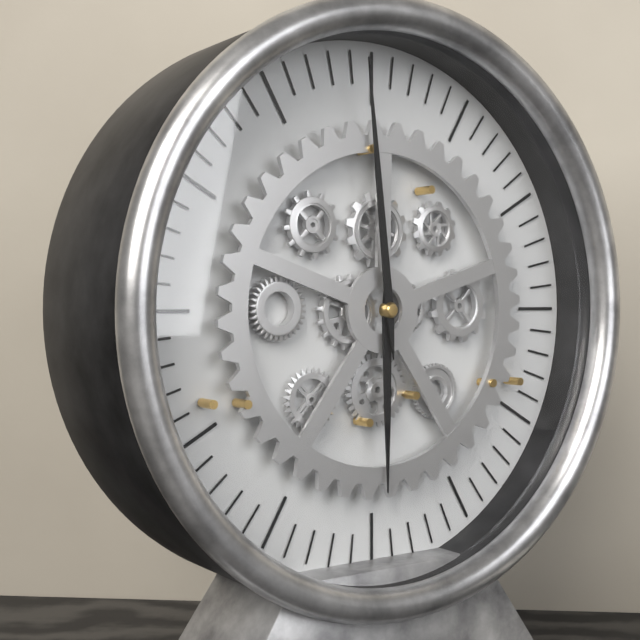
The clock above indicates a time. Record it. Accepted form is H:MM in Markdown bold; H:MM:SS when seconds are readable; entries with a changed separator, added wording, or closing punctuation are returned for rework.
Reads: **5:59**
